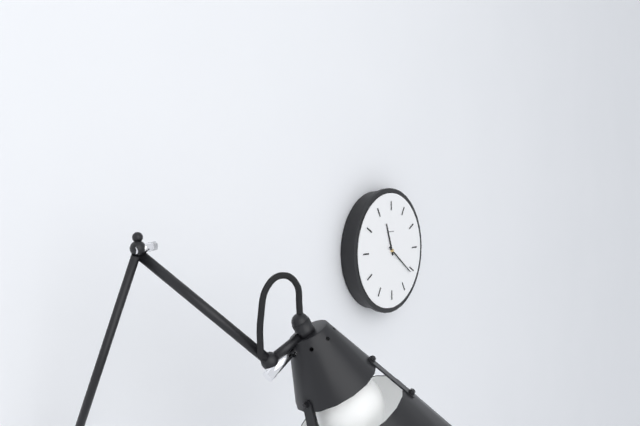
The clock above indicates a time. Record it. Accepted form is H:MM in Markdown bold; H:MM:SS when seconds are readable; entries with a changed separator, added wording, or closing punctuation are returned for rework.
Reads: **11:21**
